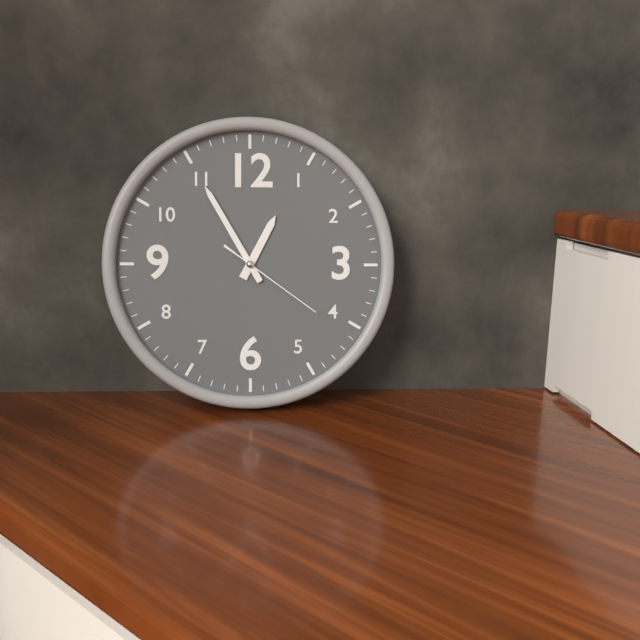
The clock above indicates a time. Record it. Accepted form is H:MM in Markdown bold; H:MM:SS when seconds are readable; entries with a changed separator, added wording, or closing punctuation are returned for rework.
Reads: **12:55:21**
